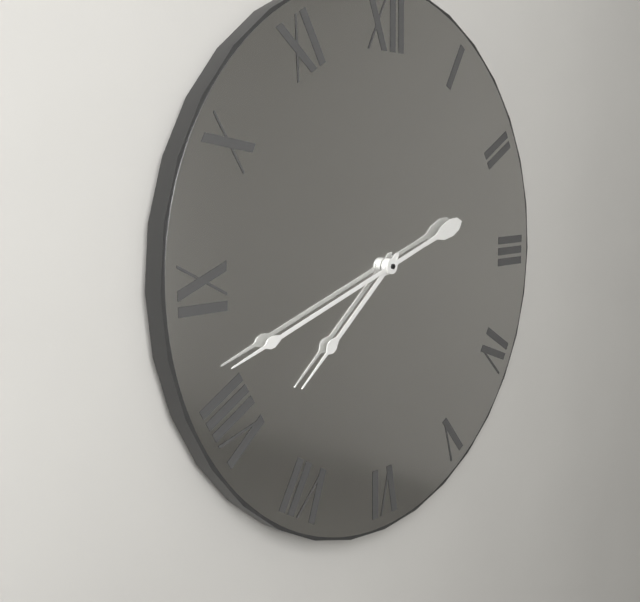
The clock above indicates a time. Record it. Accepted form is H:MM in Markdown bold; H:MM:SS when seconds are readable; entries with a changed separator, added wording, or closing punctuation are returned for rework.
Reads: **7:42**
